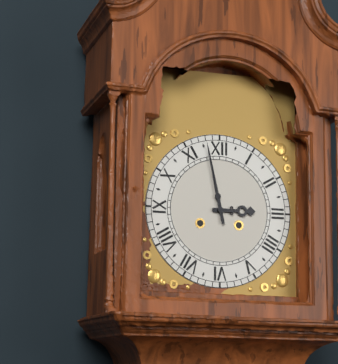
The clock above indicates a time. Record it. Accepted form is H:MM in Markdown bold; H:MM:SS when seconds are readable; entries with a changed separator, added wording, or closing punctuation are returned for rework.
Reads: **2:58**
